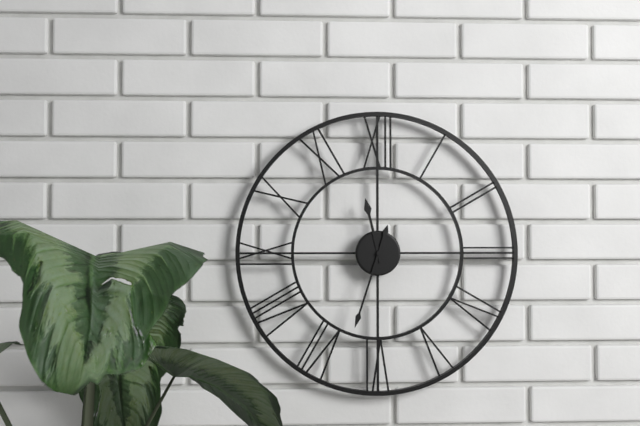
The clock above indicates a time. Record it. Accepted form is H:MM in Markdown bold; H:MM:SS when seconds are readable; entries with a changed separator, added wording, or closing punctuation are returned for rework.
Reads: **11:33**
